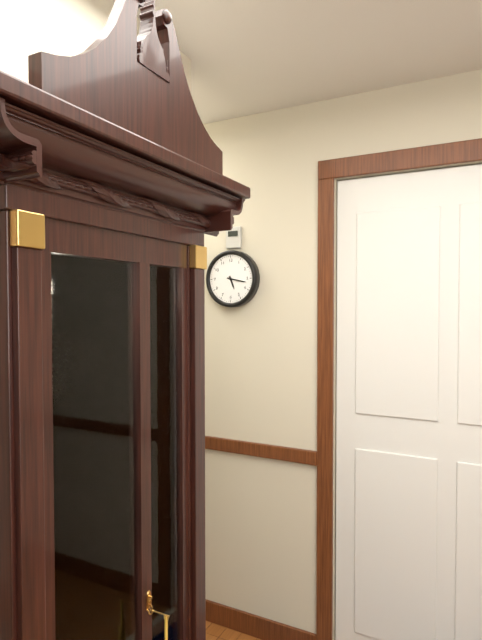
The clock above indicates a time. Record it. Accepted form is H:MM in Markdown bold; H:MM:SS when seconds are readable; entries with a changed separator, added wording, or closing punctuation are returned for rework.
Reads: **5:17**
